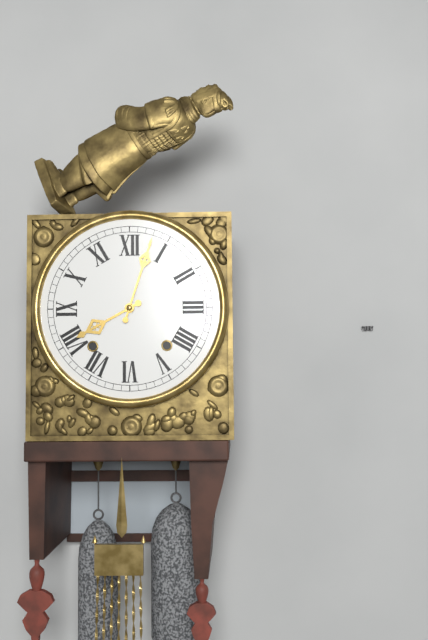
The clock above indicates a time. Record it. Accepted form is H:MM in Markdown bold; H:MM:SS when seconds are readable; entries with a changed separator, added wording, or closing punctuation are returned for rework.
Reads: **8:03**
